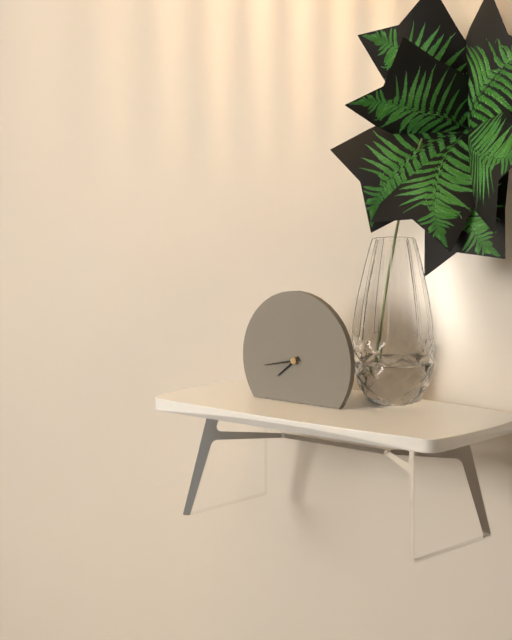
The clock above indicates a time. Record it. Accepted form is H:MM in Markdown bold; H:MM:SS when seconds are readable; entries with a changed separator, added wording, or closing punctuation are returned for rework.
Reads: **7:43**
